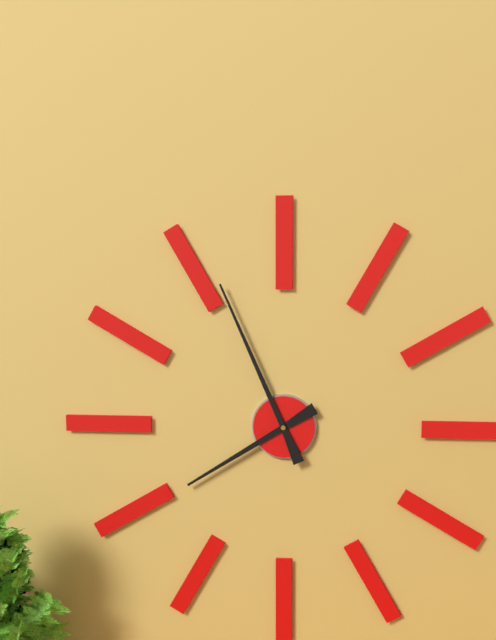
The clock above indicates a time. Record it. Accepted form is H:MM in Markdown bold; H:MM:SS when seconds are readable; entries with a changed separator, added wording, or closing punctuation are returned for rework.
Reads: **7:56**
